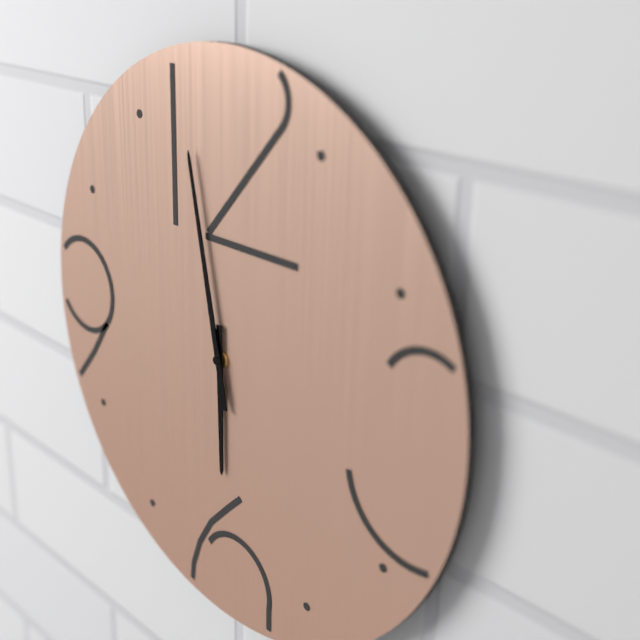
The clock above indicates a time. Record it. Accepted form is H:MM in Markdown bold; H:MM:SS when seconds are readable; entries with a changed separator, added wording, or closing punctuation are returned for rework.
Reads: **5:58**
